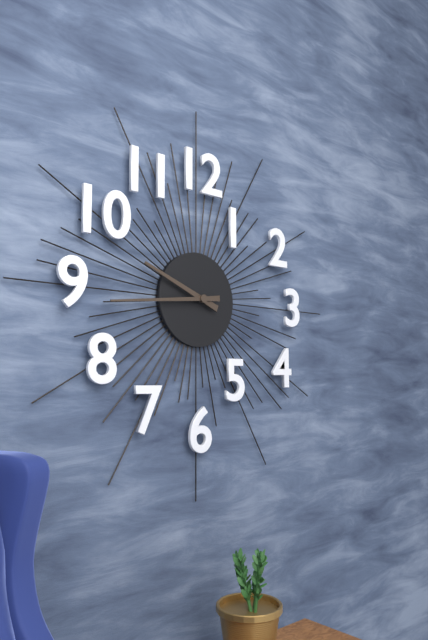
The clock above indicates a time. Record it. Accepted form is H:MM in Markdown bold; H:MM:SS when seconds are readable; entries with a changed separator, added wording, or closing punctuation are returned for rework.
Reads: **9:44**
